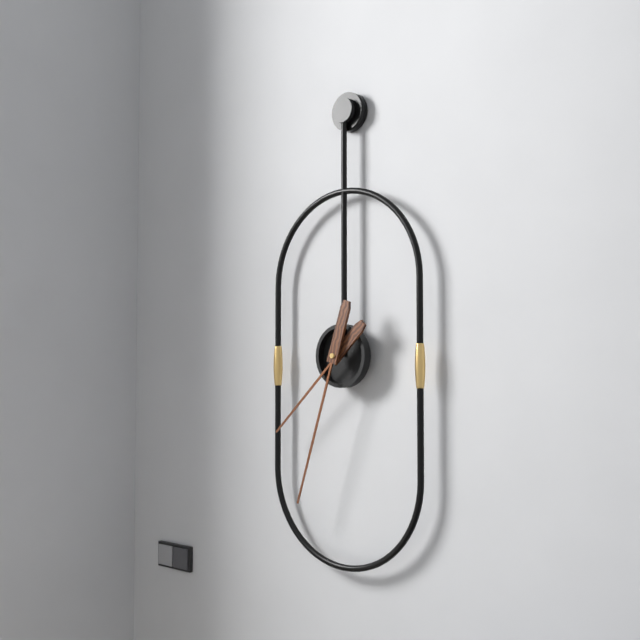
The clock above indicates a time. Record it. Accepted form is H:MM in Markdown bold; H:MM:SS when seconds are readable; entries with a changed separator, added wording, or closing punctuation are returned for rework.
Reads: **7:33**
